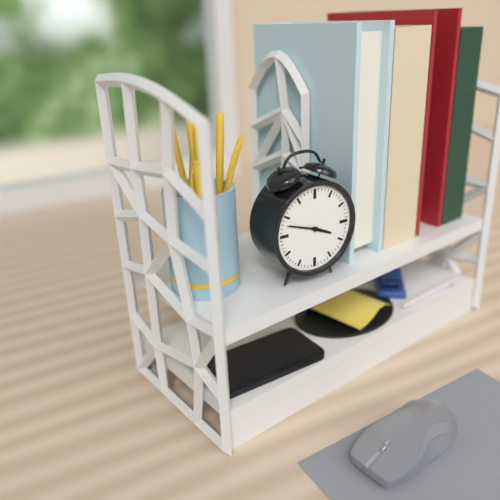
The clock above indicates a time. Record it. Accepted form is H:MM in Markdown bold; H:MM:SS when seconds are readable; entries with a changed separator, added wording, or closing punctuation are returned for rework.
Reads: **3:48**
